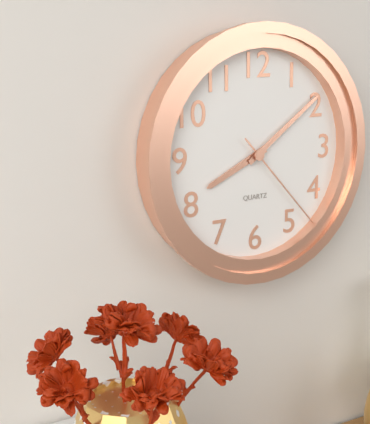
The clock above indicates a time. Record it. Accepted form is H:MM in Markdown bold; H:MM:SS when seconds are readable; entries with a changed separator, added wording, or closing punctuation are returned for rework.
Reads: **8:09:23**
